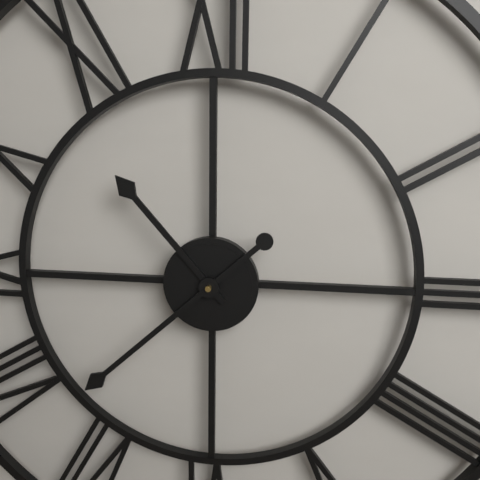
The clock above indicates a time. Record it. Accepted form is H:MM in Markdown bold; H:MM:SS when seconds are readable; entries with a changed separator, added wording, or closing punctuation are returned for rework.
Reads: **10:38**
